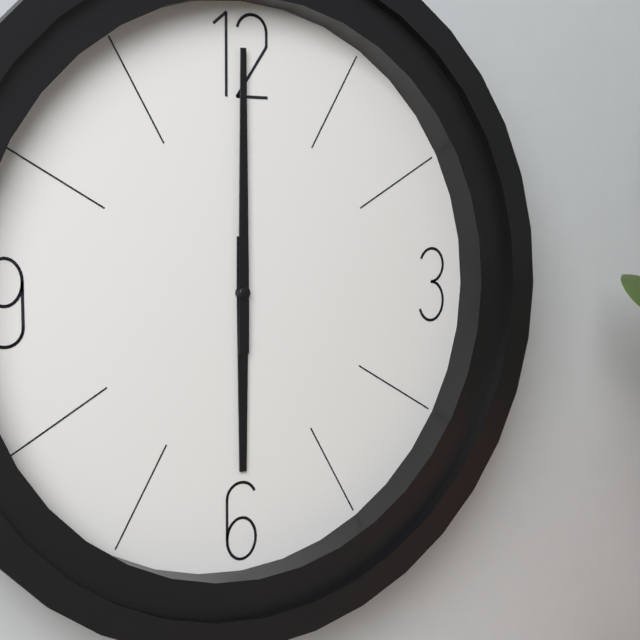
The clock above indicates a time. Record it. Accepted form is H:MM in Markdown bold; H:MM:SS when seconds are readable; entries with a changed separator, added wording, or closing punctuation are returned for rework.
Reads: **6:00**
